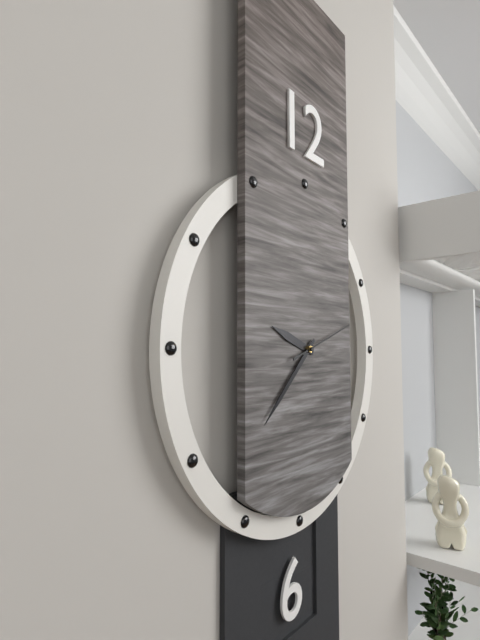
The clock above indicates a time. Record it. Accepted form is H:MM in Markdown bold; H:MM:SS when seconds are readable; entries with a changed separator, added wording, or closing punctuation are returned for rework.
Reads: **9:38:12**
